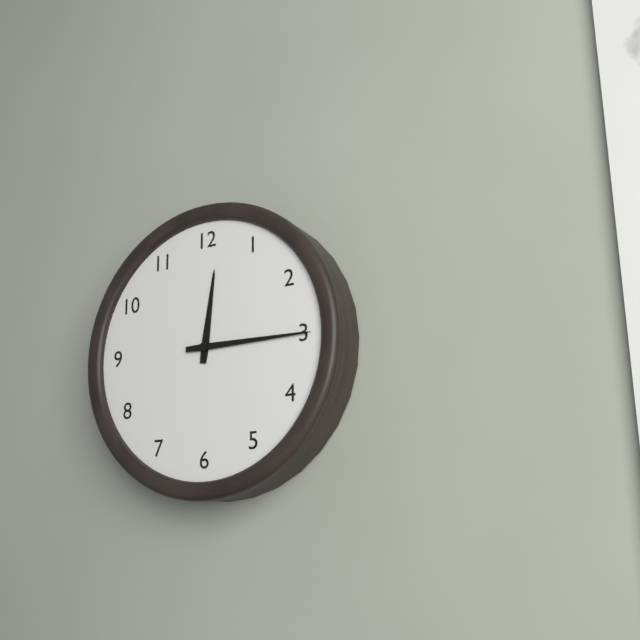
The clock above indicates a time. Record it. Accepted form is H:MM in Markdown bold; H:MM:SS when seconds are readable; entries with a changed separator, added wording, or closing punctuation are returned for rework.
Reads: **12:15**
